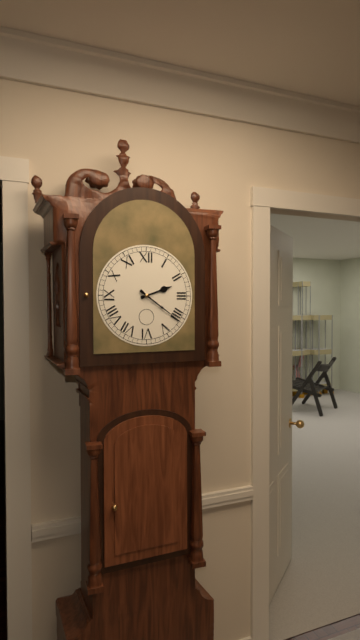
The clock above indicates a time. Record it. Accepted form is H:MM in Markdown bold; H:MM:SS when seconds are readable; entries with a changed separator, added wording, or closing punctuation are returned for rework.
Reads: **2:21**
